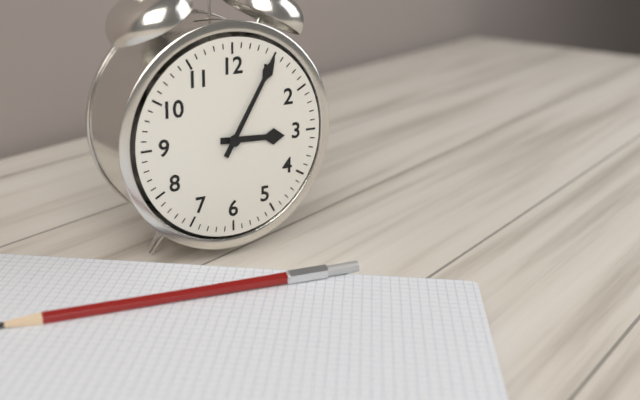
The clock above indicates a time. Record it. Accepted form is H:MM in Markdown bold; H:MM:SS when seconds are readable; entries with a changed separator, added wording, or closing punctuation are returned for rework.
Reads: **3:05**
